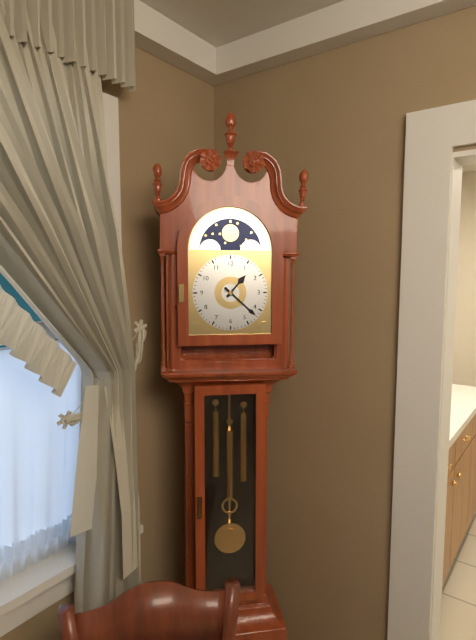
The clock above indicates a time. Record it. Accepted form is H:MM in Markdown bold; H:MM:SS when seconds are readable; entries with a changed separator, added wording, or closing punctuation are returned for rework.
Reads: **1:22**
